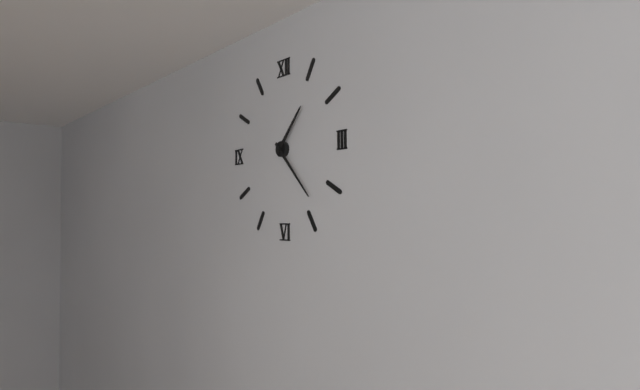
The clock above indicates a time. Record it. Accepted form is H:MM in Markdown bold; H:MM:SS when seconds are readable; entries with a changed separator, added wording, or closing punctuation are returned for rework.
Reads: **1:23**
